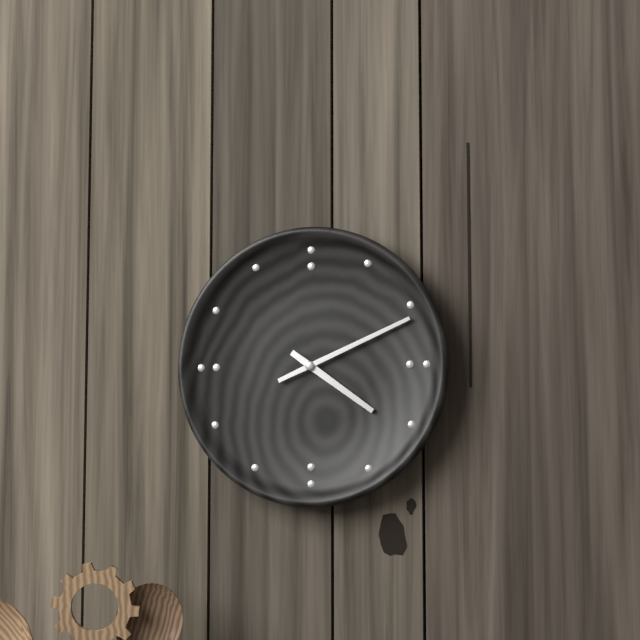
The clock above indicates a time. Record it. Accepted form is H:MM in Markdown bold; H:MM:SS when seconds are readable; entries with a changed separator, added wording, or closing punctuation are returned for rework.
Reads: **4:11**
